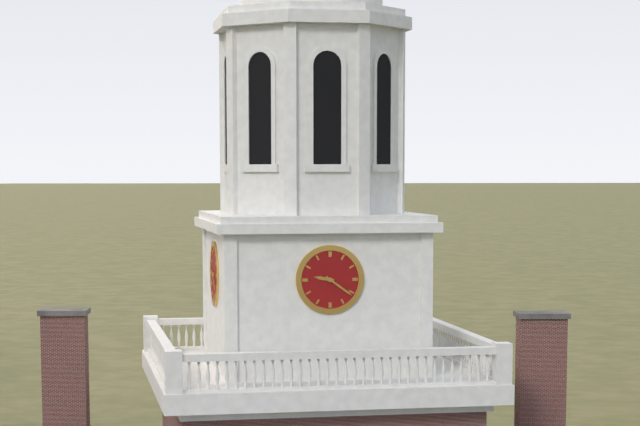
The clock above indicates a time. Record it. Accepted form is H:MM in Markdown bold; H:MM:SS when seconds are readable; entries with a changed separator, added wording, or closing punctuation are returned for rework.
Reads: **9:21**
